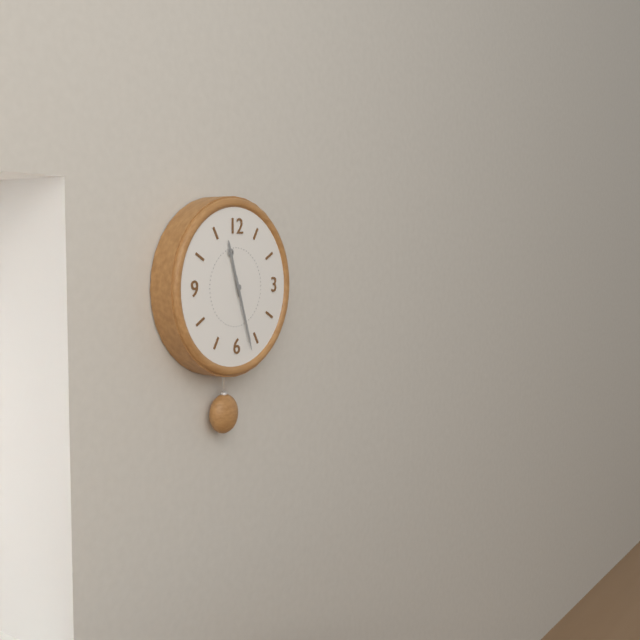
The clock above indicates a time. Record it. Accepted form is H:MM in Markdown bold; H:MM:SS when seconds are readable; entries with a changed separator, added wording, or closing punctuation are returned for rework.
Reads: **11:27**
